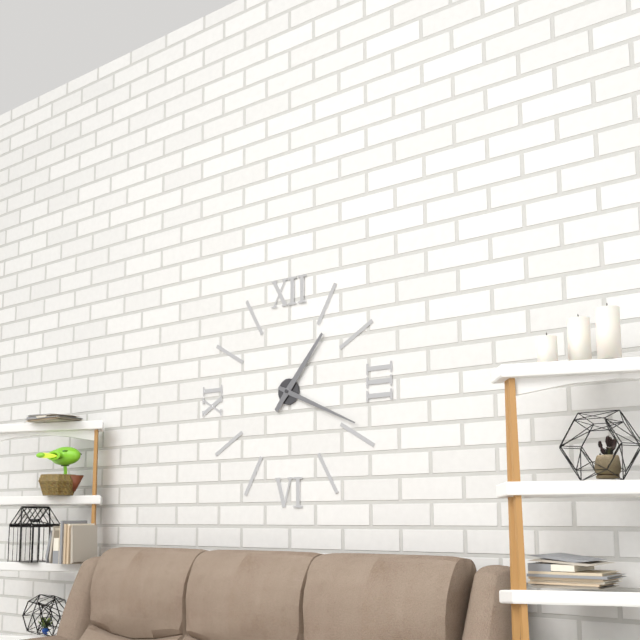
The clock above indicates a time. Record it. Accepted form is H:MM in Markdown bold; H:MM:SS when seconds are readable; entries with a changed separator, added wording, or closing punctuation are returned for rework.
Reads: **1:19**
